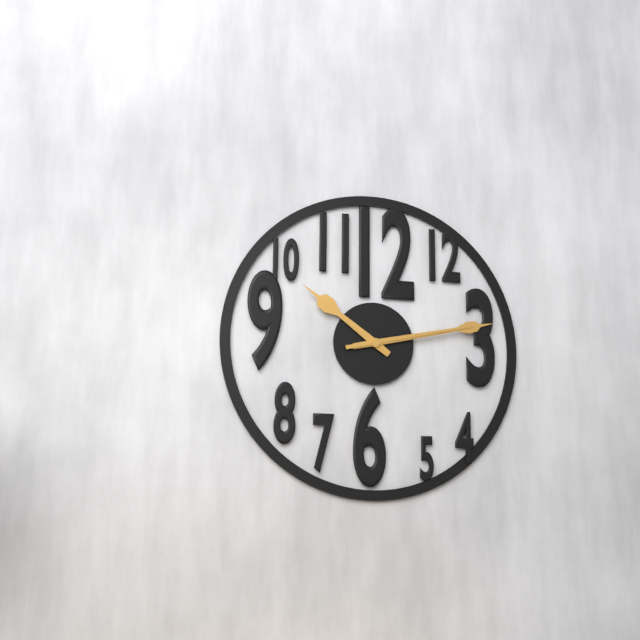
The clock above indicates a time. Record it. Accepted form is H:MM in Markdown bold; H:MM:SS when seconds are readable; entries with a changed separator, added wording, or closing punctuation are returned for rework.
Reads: **10:13:13**
